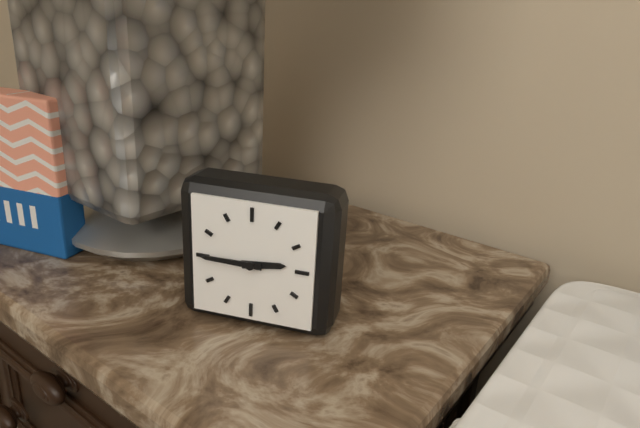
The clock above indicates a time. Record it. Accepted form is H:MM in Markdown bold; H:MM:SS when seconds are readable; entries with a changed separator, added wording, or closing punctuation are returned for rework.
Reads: **2:45**
